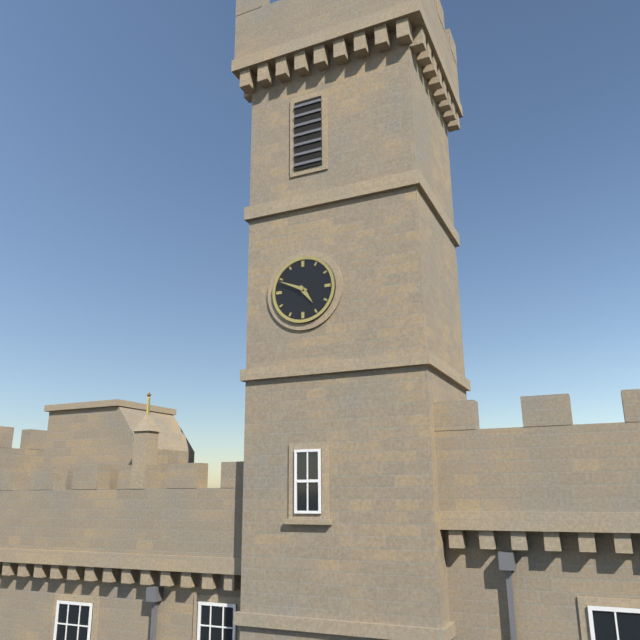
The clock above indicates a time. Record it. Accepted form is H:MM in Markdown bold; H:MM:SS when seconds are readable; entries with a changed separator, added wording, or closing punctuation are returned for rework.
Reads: **4:49**
